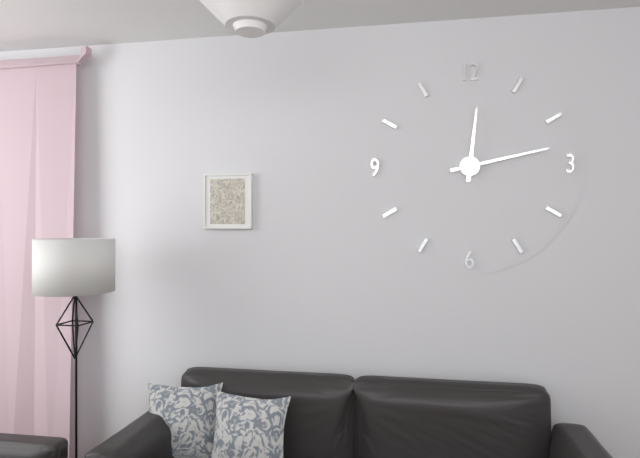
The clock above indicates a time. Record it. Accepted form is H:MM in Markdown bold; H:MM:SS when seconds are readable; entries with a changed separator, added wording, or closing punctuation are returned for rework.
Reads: **12:13**
